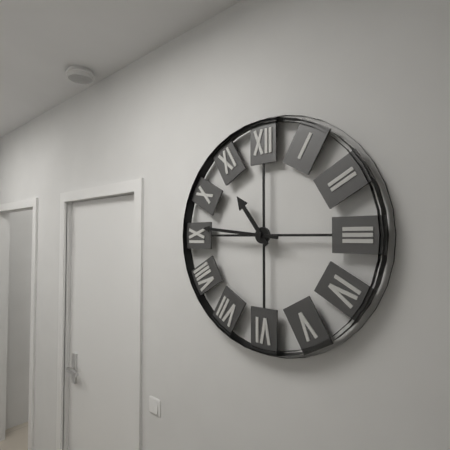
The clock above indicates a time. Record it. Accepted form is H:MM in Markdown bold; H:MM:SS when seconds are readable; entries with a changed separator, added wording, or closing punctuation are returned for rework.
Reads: **10:46**
